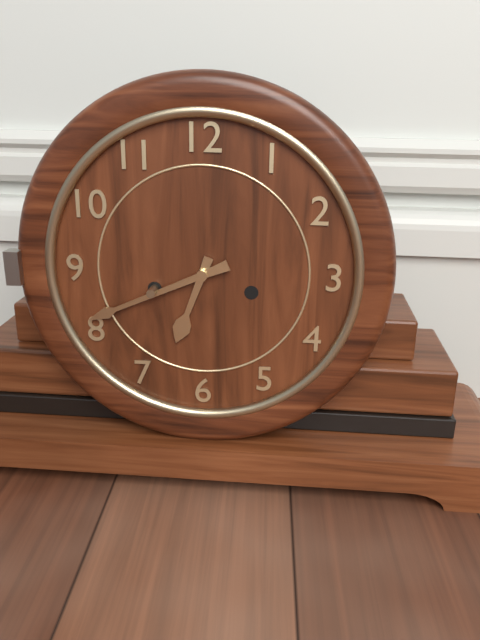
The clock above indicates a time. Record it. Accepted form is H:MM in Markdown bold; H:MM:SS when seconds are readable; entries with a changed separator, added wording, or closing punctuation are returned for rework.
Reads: **6:41**
